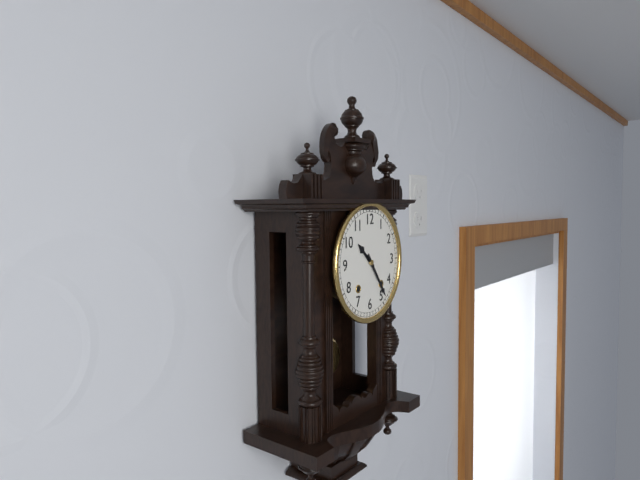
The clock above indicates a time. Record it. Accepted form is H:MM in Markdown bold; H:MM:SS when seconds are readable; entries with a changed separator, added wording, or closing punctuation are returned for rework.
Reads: **10:24**
